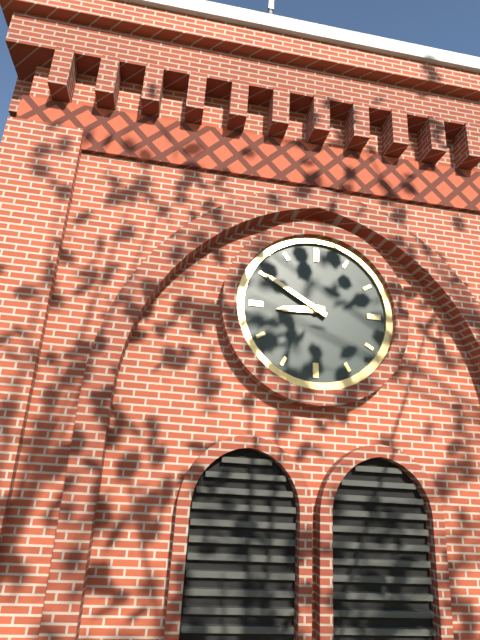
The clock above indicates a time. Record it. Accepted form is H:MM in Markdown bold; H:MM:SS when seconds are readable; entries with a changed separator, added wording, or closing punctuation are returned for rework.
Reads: **8:50**
